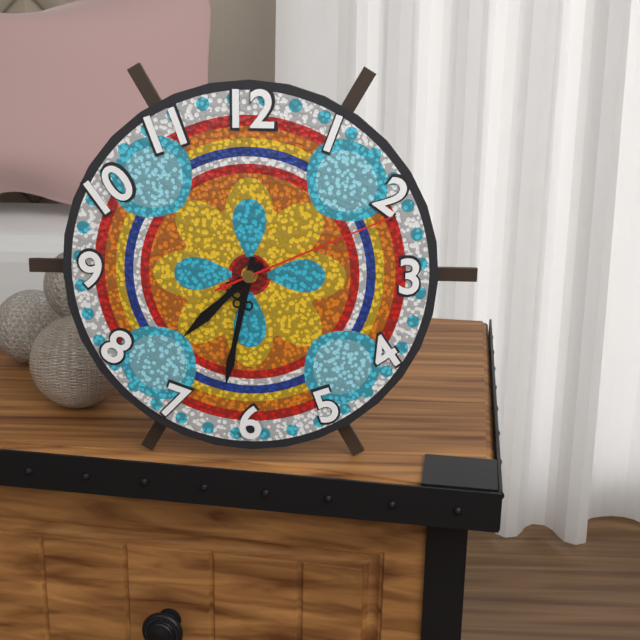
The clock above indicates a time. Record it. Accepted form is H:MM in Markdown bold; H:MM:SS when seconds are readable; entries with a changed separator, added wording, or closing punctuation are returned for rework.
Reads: **7:32:11**
